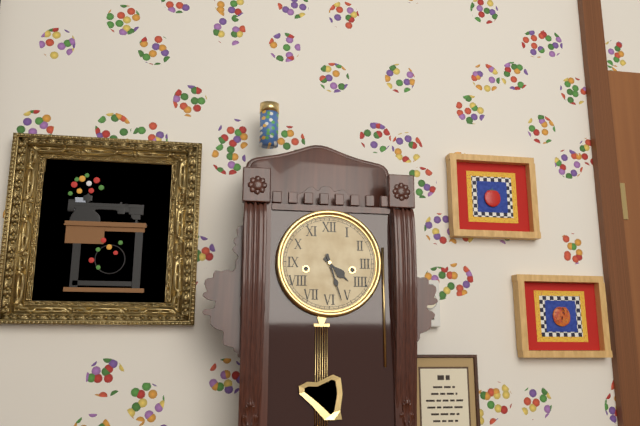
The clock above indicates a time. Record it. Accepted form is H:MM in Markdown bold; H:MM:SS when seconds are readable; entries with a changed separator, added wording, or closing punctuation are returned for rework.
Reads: **4:27**
